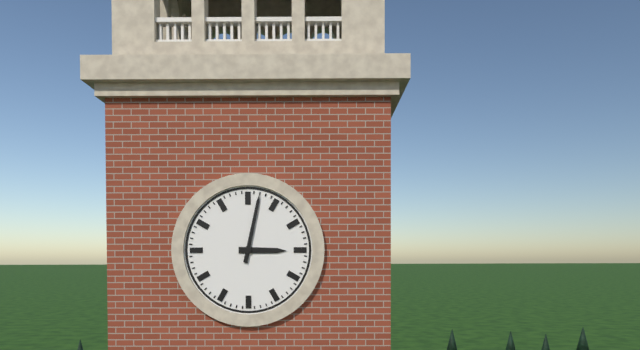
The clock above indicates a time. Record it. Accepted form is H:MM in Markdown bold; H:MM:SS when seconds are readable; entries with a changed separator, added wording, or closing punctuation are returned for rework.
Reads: **3:02**
